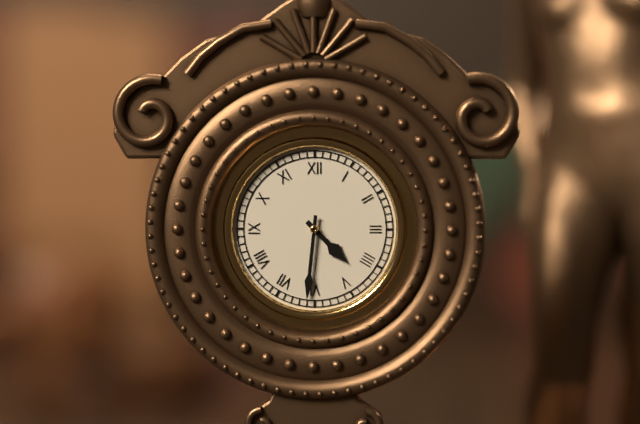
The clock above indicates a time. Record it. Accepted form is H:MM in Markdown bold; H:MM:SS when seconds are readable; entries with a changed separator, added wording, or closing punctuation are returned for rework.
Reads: **4:31**
